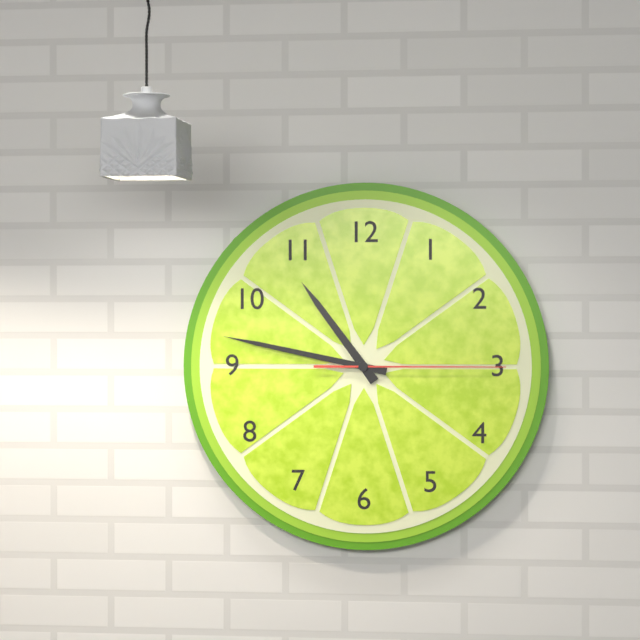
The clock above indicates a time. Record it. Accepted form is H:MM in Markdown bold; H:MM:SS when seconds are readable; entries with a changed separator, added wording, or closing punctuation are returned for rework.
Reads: **10:47:15**
